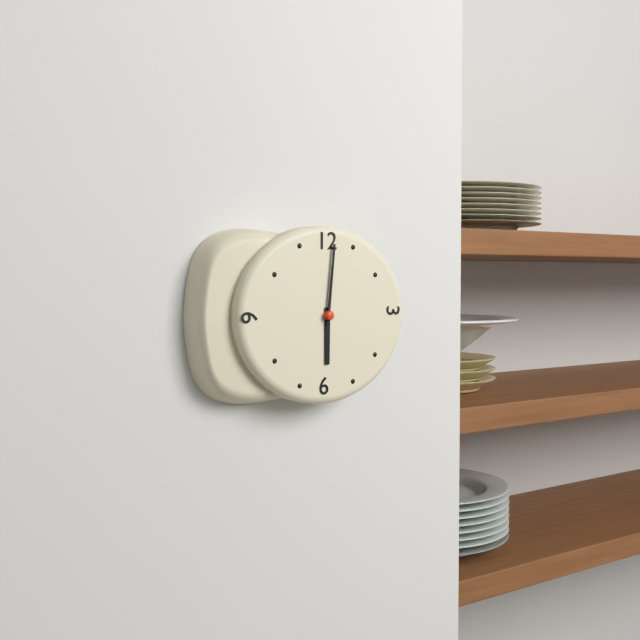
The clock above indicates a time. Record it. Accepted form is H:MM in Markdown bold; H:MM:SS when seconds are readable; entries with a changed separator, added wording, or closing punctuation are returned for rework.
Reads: **6:01**
